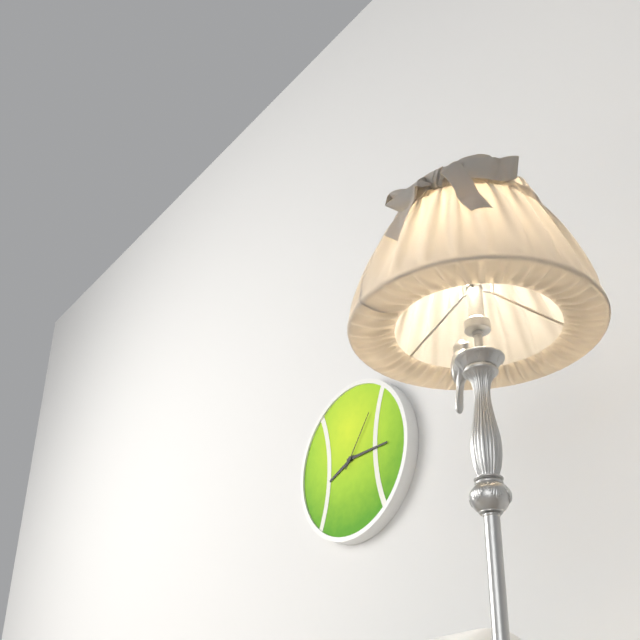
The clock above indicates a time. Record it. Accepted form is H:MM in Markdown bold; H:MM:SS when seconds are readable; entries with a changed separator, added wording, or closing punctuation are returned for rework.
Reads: **8:15:06**
